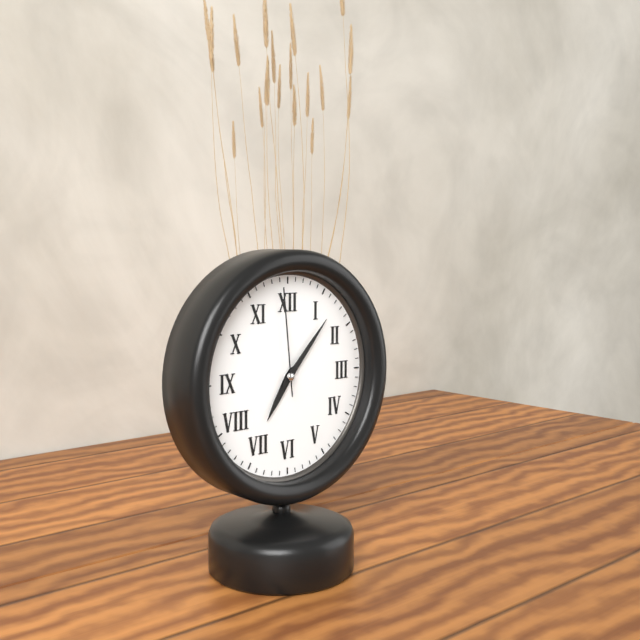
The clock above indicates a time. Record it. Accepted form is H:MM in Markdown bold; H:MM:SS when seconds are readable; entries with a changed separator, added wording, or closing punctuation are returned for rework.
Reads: **7:07:59**
